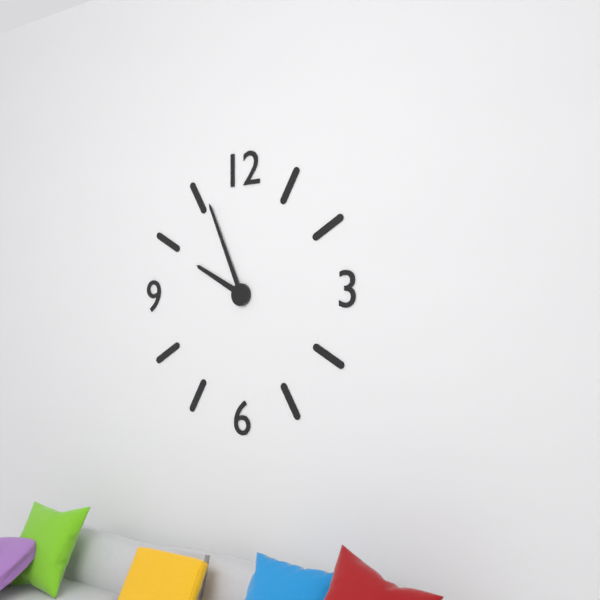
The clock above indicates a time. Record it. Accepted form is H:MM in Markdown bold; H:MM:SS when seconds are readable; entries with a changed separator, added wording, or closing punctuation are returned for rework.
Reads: **9:56**
